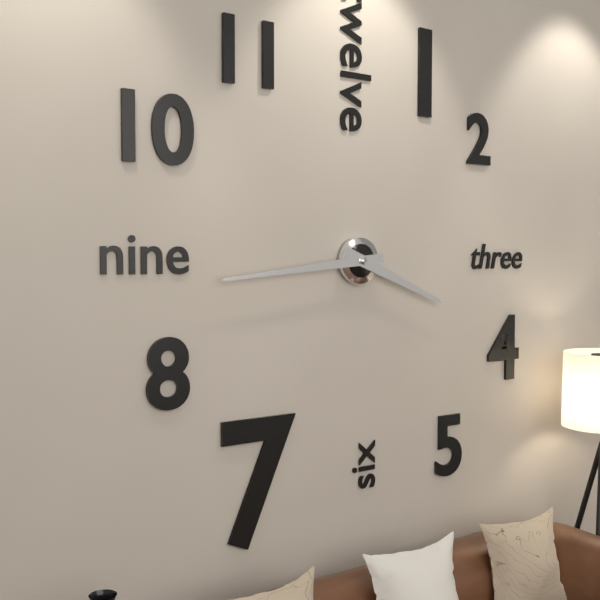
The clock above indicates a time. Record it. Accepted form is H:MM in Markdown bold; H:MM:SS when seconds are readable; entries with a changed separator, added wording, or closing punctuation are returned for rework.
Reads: **3:44**
